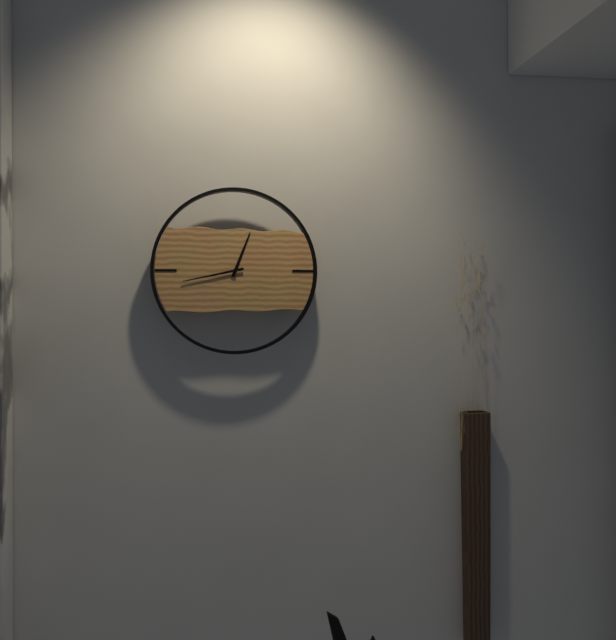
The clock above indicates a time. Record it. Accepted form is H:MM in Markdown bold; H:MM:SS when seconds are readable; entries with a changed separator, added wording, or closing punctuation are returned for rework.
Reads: **12:43**
